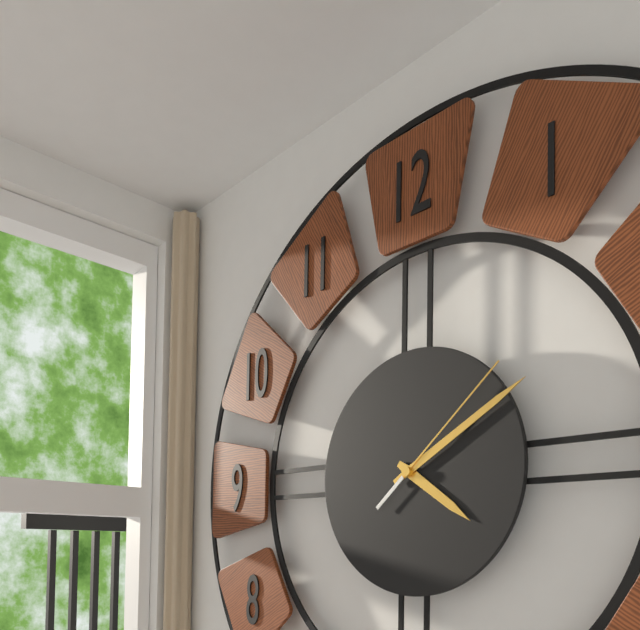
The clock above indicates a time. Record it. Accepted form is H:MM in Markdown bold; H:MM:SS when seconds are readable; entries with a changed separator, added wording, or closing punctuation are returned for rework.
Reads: **4:10:08**
